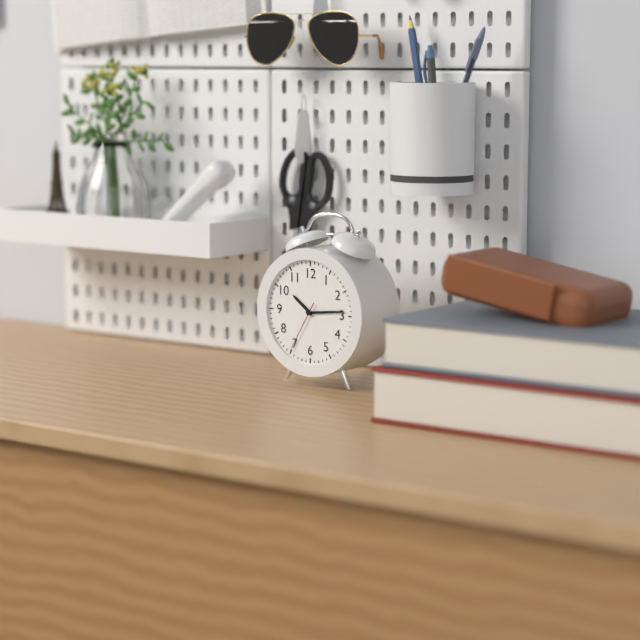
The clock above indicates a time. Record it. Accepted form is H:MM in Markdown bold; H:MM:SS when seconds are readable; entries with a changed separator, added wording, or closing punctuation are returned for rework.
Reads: **10:14:35**
